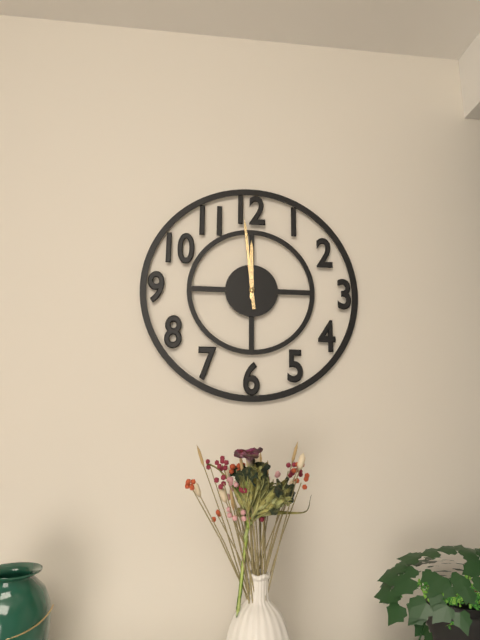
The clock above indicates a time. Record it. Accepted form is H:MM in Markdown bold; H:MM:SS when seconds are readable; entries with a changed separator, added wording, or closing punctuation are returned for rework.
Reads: **11:59**
